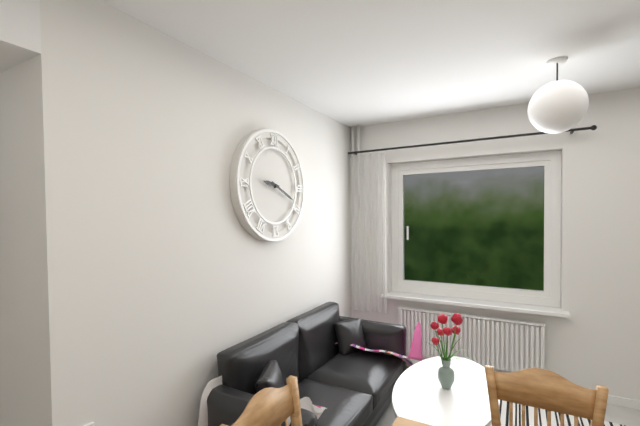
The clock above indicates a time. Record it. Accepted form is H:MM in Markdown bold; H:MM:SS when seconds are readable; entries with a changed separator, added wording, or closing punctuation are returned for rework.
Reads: **9:19**
